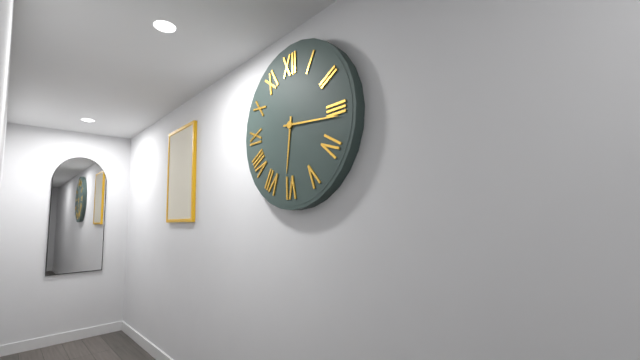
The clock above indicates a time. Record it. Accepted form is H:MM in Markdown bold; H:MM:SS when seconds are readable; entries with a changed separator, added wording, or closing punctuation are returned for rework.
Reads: **6:16**
